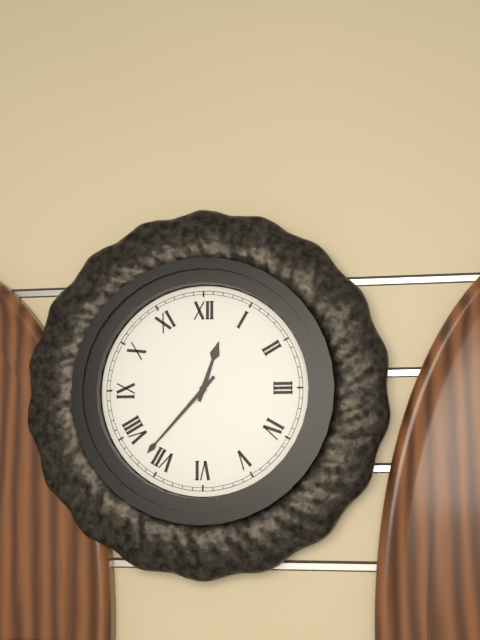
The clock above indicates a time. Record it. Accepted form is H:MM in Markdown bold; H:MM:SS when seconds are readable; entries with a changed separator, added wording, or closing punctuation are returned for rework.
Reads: **12:37**
